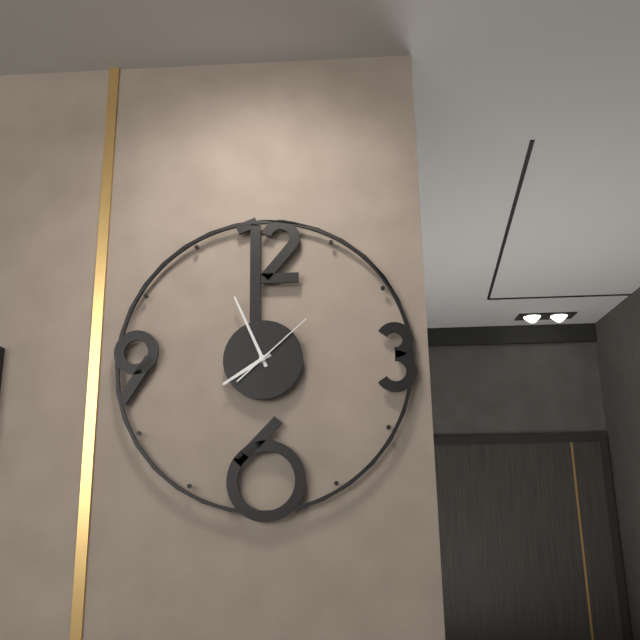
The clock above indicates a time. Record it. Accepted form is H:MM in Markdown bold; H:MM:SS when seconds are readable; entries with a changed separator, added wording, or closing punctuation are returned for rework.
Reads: **7:56:08**
